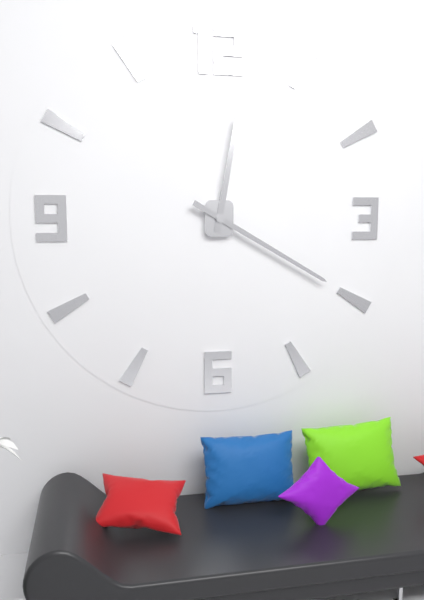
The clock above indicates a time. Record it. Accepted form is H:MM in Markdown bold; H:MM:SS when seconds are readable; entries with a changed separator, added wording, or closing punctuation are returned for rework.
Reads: **12:20**
